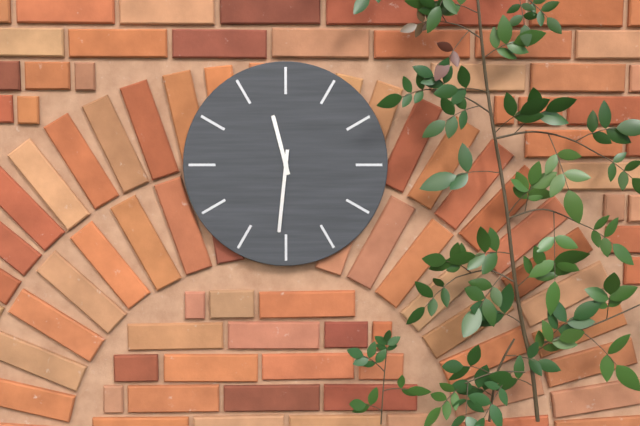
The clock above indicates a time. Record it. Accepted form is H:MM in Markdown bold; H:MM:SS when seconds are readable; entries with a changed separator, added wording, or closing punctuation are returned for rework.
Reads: **11:31**
